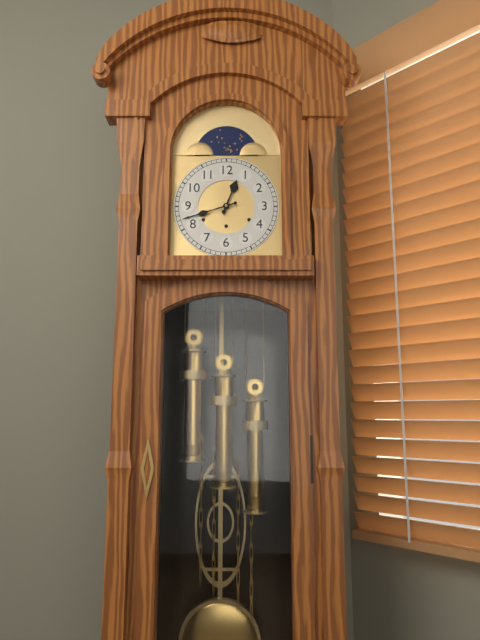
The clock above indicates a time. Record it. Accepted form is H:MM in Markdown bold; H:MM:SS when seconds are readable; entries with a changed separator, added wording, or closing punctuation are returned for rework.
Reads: **12:42**
